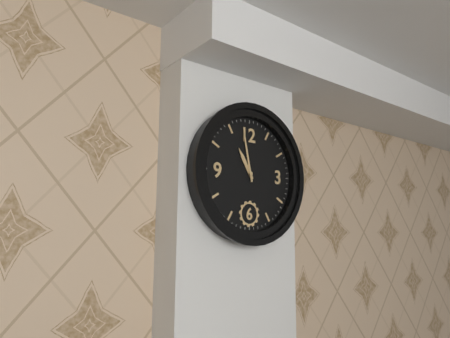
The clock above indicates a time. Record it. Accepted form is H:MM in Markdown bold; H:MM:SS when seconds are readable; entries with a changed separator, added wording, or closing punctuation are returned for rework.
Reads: **10:58**
